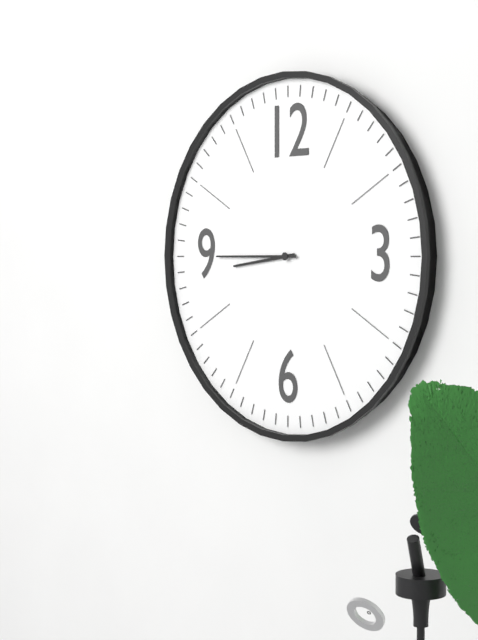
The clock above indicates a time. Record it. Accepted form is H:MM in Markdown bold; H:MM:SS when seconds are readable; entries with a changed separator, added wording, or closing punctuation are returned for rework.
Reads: **8:45**
